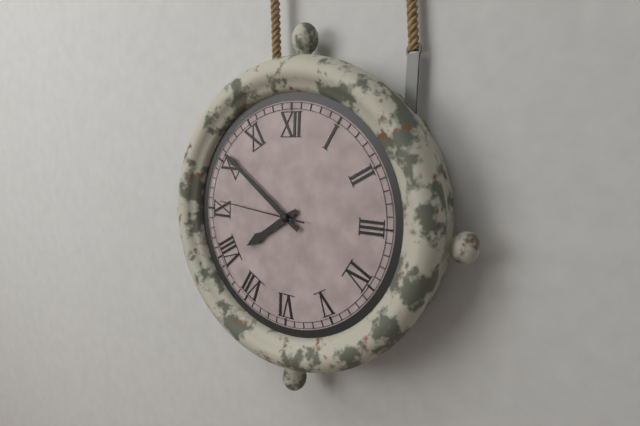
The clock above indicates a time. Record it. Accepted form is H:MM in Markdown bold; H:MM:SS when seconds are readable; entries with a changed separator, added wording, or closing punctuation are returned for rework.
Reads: **7:51:46**
